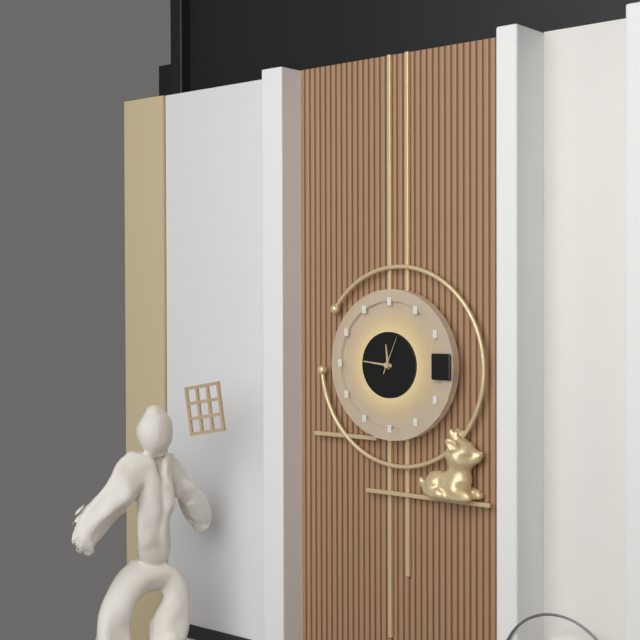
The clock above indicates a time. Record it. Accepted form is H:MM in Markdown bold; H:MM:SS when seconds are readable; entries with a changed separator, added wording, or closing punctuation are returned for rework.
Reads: **11:46**
